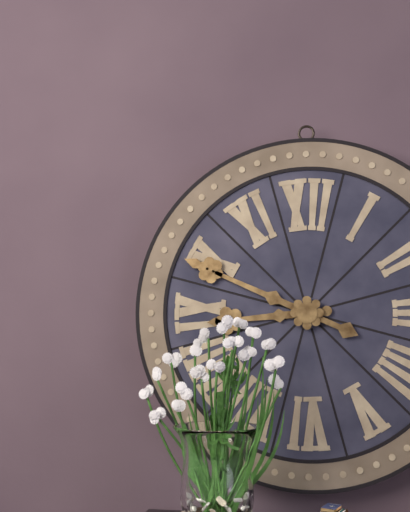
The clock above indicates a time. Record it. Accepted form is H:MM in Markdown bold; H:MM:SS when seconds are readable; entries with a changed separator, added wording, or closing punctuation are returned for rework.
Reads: **8:49**
